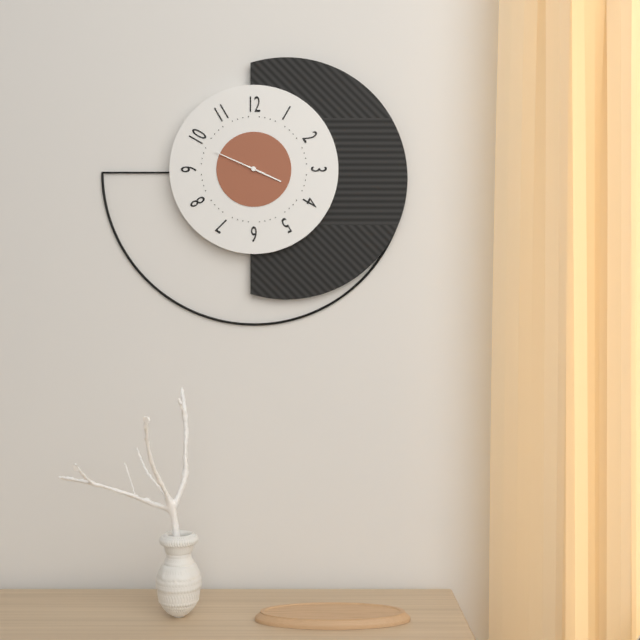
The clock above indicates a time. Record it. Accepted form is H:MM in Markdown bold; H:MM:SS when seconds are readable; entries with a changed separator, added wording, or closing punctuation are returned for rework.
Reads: **3:49**
